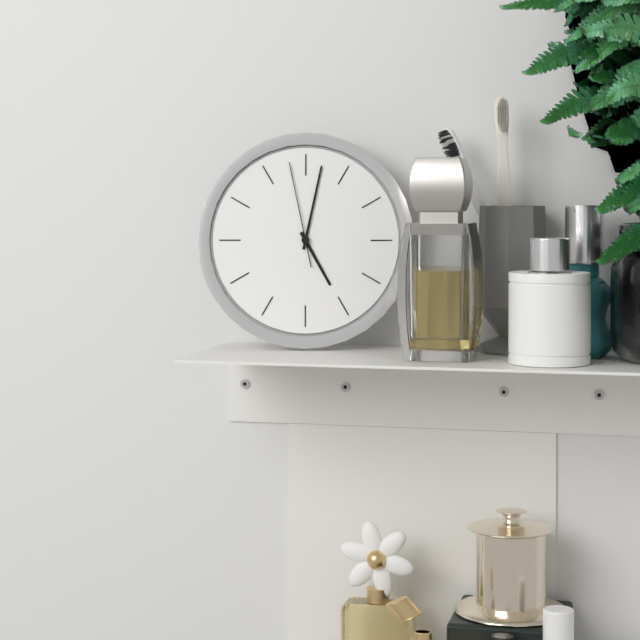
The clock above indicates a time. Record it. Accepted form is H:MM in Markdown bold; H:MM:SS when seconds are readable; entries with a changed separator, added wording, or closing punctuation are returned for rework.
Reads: **5:02:58**
